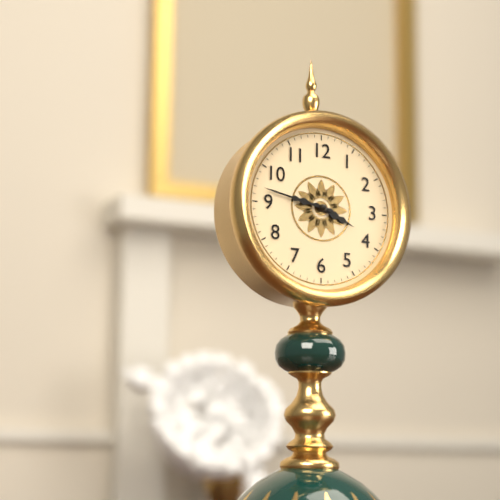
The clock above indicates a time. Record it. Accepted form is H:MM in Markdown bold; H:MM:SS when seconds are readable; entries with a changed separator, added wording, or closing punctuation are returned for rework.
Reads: **3:47**
